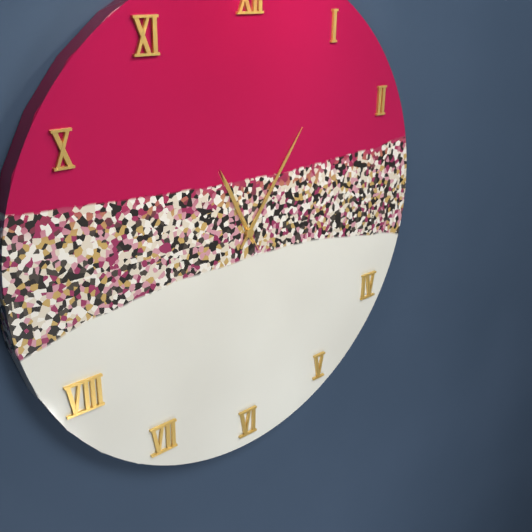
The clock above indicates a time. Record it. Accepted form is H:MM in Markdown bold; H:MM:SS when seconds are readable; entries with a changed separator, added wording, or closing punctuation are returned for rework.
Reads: **11:06:55**
